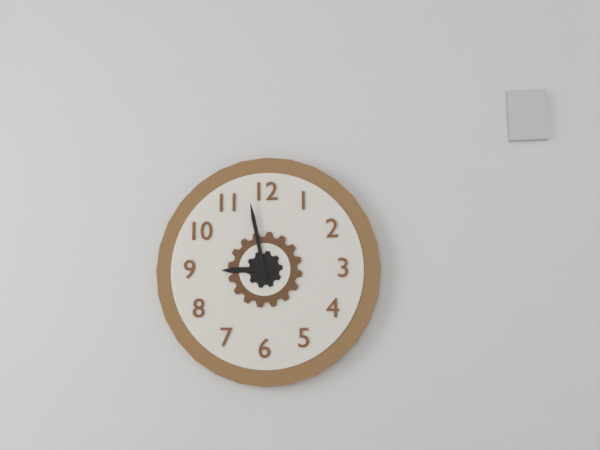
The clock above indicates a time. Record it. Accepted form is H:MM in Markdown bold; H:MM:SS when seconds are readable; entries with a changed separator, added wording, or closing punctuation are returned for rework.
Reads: **8:58**
